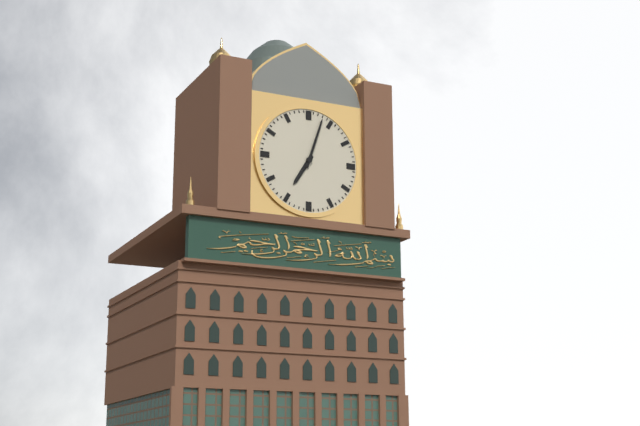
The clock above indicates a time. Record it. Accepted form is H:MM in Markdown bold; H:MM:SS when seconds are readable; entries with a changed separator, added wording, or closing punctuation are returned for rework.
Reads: **7:03**
